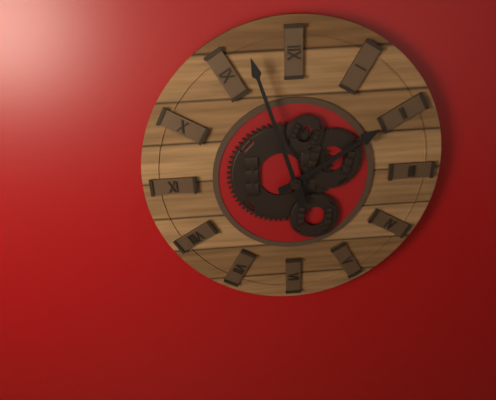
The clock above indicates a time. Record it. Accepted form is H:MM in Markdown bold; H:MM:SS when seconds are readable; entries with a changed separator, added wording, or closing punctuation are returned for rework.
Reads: **1:57**
